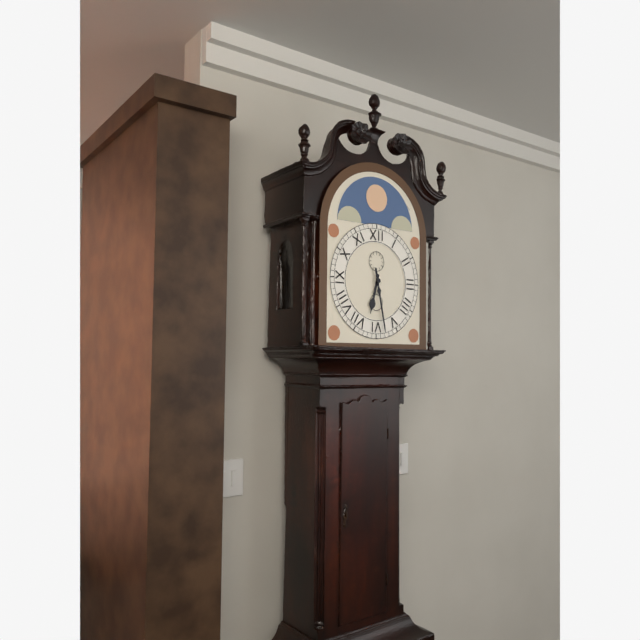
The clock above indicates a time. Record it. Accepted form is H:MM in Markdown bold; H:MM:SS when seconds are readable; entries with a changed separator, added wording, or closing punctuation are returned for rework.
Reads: **6:28**
